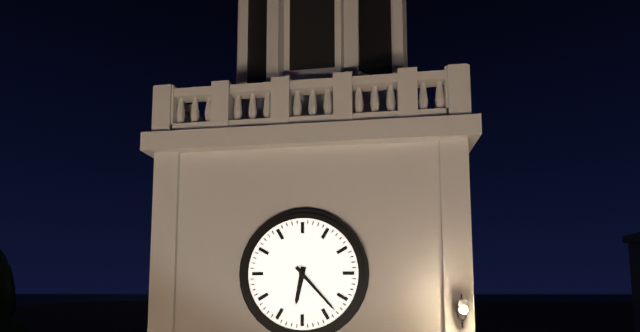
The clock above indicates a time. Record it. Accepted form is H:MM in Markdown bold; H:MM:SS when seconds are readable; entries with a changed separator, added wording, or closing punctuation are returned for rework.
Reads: **6:23**
